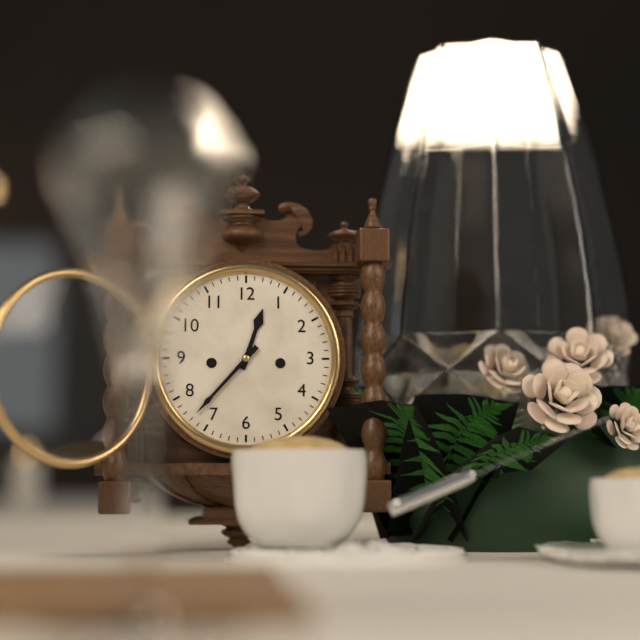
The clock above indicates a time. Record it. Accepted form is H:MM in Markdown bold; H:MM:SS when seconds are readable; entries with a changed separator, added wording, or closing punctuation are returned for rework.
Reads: **12:37**
